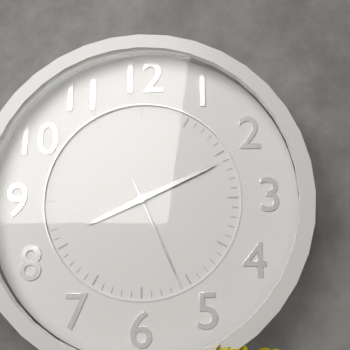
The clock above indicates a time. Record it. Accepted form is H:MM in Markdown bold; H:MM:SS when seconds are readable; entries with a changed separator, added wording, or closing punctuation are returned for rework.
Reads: **8:11:26**
